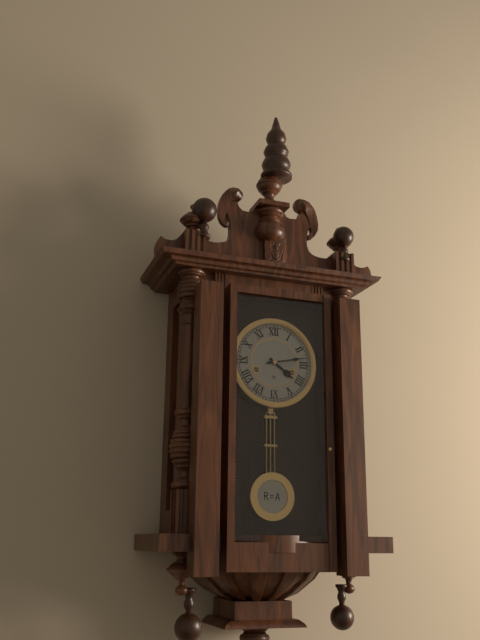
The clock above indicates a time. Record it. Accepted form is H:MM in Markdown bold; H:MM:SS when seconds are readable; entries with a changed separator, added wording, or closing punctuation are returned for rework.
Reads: **4:13**
